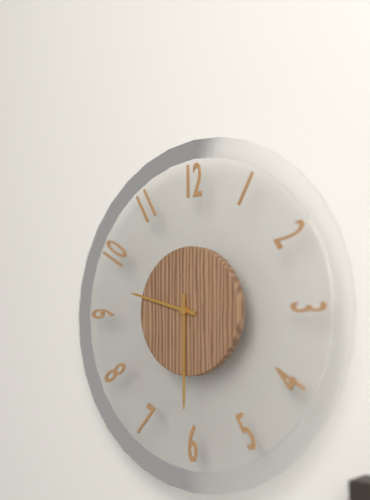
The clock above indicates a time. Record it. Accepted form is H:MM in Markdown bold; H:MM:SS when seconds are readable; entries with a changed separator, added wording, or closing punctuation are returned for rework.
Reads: **9:30**
